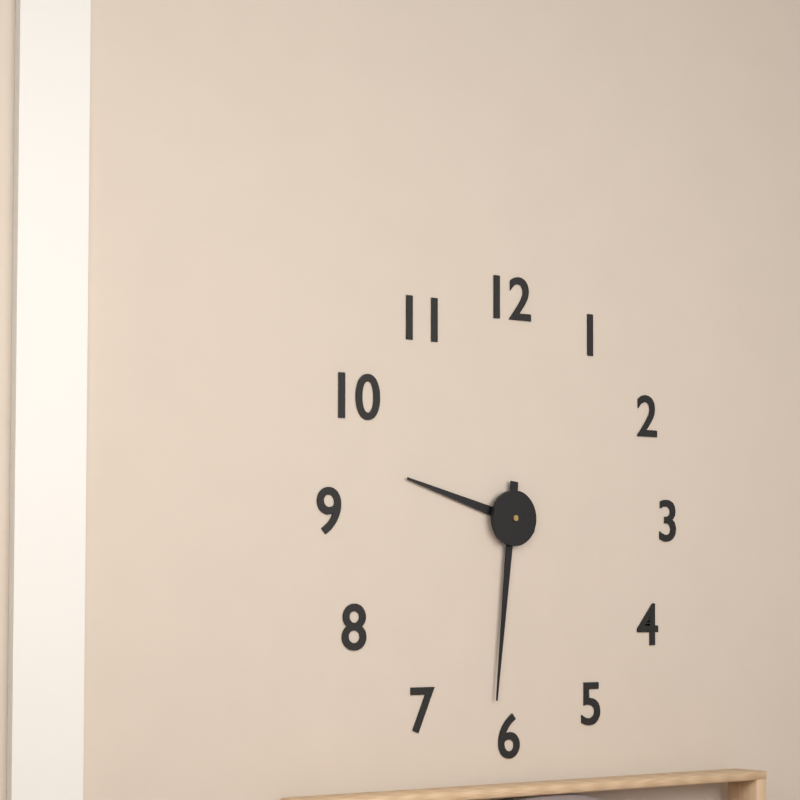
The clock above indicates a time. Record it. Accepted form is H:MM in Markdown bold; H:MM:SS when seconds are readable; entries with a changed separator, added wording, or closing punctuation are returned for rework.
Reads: **9:31**
